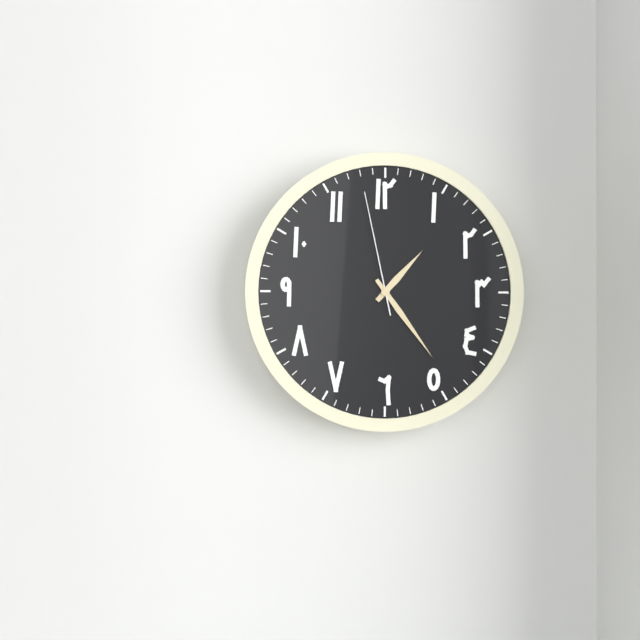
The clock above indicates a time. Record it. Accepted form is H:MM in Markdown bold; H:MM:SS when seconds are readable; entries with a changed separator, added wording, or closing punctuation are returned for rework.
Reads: **1:24:58**
